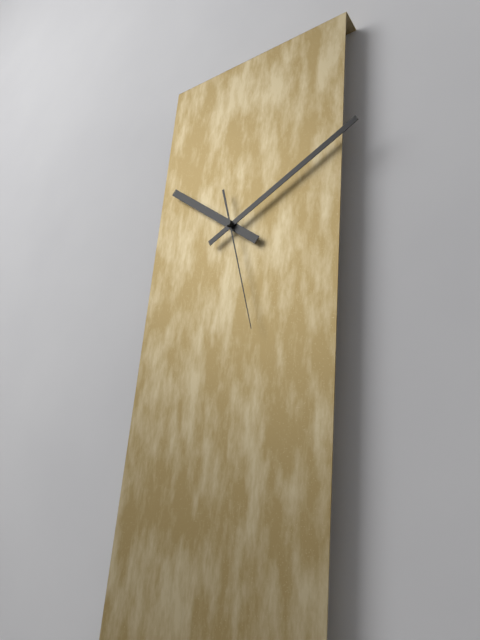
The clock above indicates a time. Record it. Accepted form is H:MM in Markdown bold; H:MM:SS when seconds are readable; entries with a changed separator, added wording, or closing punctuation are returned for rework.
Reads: **10:10:27**
